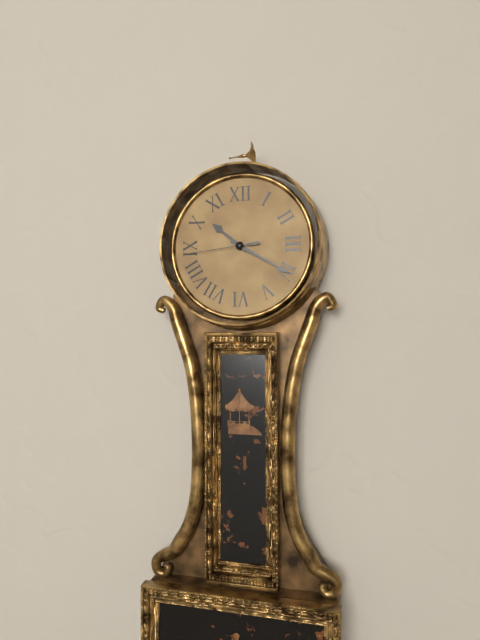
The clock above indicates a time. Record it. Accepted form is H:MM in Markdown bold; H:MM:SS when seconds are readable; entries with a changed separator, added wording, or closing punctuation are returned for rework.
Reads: **10:20:44**
